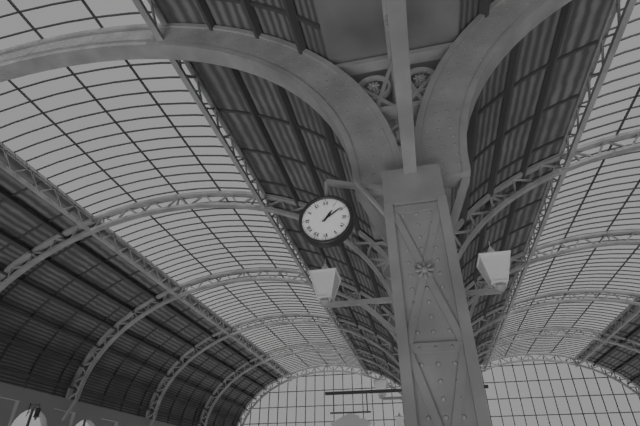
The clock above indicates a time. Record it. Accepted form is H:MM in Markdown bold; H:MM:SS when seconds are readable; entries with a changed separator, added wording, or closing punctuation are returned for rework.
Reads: **1:09**
